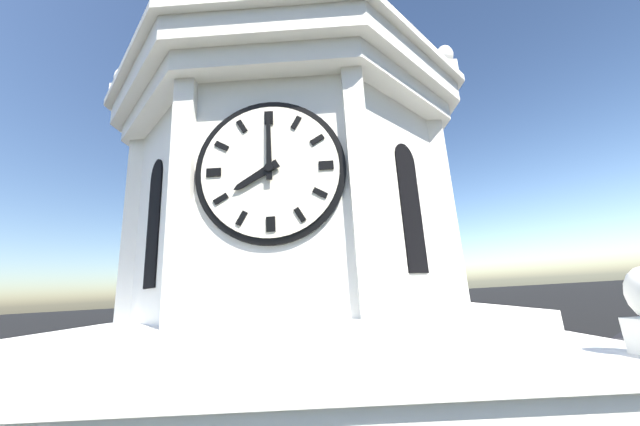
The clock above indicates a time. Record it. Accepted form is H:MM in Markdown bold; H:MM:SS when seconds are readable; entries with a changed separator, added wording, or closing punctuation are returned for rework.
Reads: **8:00**
